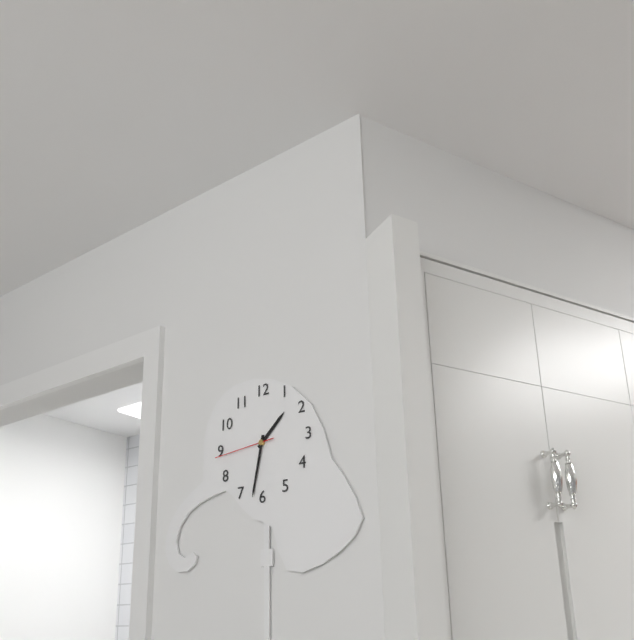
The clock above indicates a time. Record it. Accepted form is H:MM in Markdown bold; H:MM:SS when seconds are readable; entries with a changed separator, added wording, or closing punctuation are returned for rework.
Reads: **1:32:44**
